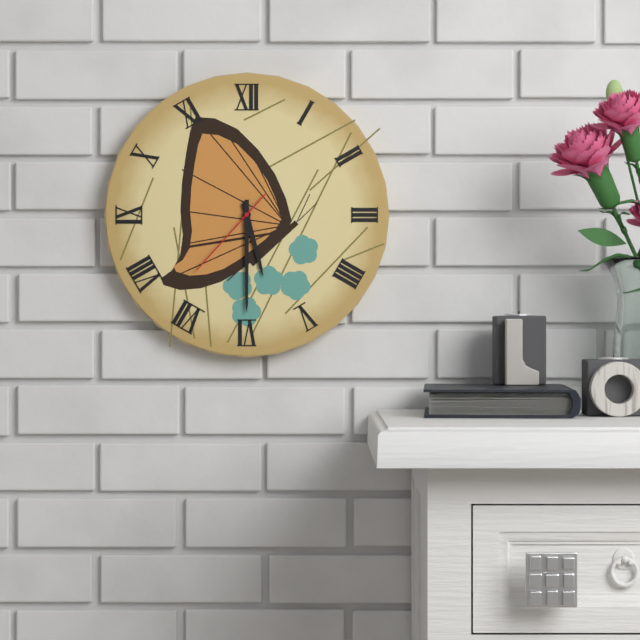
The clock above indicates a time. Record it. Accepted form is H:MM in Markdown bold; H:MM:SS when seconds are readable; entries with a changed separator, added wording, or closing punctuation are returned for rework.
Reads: **5:30:37**
